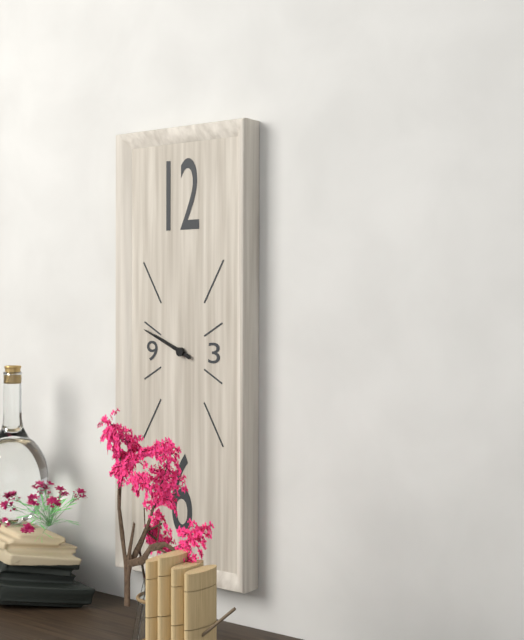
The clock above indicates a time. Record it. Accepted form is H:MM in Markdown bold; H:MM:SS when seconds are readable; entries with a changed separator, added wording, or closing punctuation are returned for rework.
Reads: **9:49**
